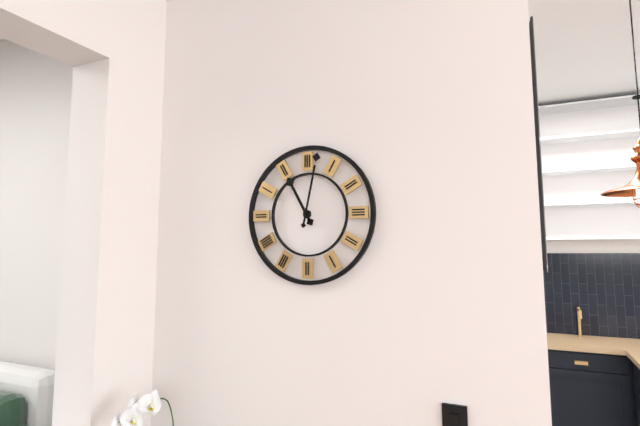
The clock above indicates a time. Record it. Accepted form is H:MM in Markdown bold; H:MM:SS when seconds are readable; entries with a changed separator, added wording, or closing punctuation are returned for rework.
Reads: **11:02**
